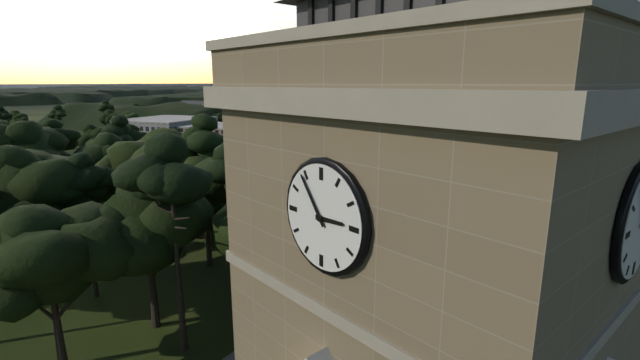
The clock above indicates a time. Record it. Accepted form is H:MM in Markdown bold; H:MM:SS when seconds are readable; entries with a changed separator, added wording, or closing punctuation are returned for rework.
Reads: **2:54**
